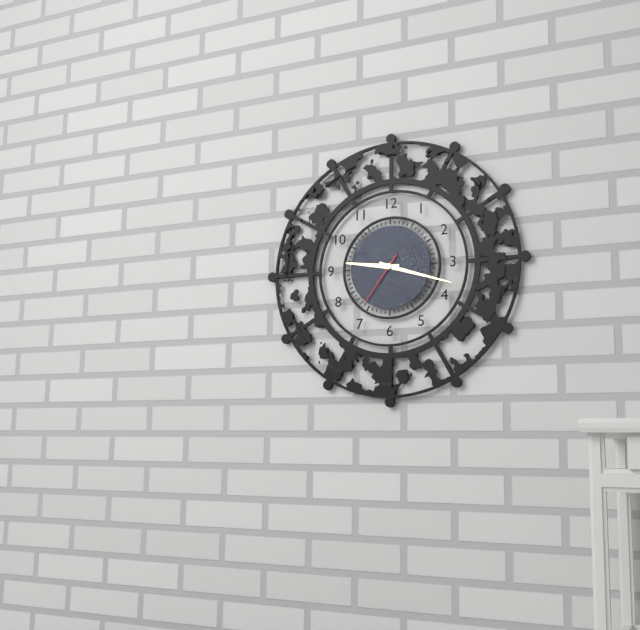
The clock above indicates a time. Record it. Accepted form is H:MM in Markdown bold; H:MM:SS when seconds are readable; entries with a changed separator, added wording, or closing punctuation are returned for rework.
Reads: **9:18:36**
